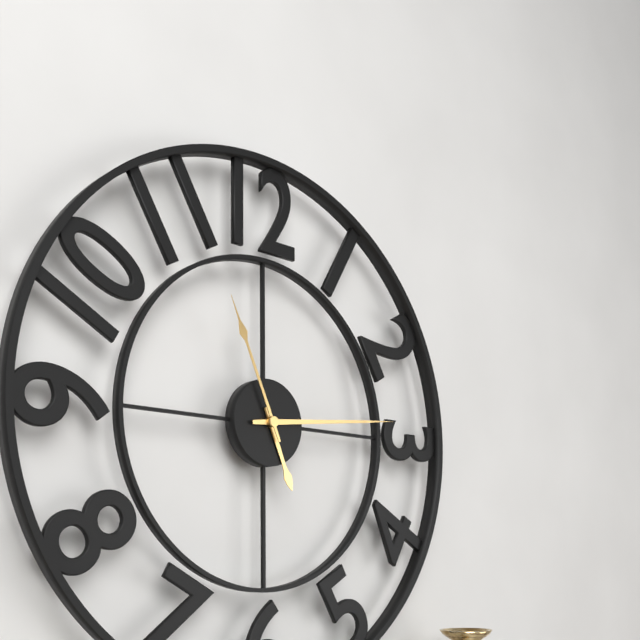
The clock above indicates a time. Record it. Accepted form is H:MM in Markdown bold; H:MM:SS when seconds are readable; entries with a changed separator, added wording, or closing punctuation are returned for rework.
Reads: **5:14:56**
